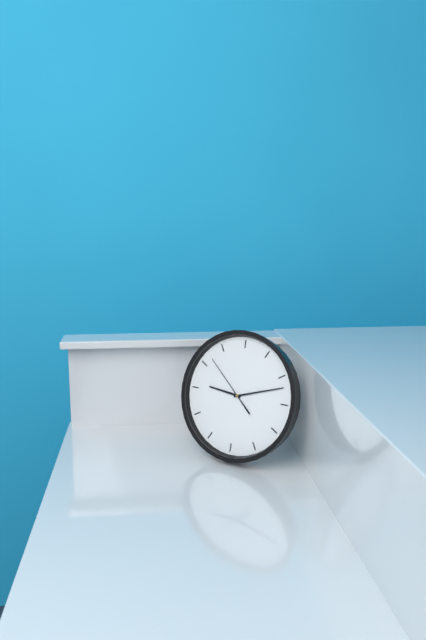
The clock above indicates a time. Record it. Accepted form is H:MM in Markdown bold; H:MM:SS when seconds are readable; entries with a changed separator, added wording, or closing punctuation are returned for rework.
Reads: **9:12:52**
